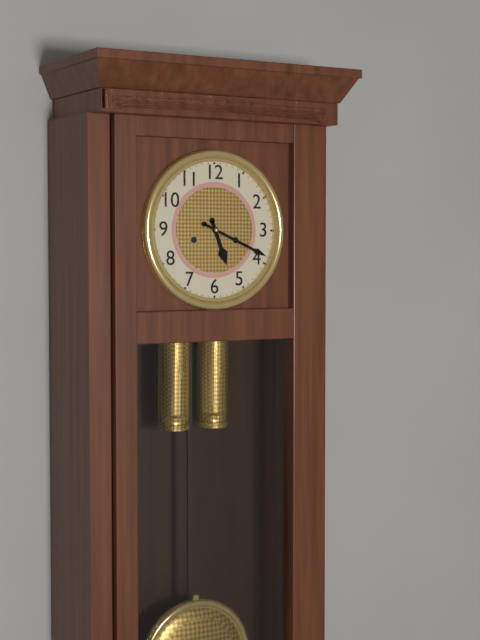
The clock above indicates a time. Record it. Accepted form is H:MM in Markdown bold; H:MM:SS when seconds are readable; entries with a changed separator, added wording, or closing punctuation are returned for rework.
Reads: **5:19**
